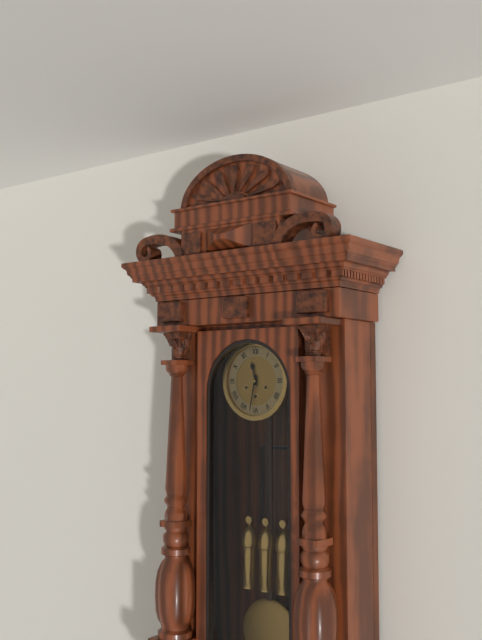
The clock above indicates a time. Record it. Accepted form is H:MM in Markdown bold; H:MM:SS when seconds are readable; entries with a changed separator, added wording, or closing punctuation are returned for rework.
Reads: **11:32**
